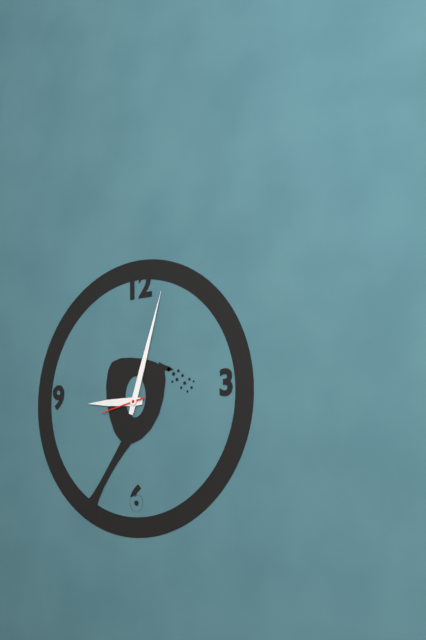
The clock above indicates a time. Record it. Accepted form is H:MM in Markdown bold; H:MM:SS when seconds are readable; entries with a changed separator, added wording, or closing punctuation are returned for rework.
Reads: **9:03**
